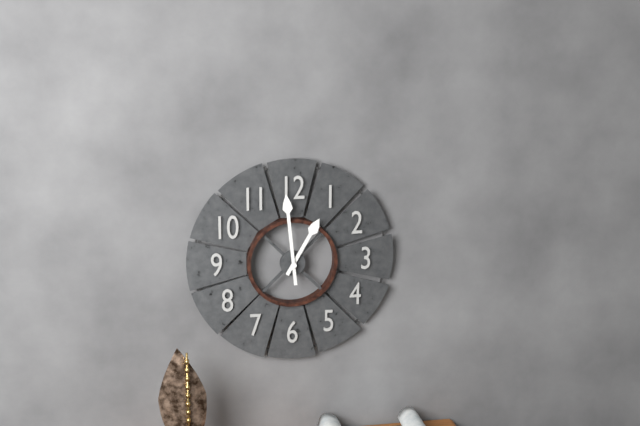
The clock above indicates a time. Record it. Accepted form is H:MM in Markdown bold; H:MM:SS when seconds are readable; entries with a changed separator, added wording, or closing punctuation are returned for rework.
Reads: **12:59**
